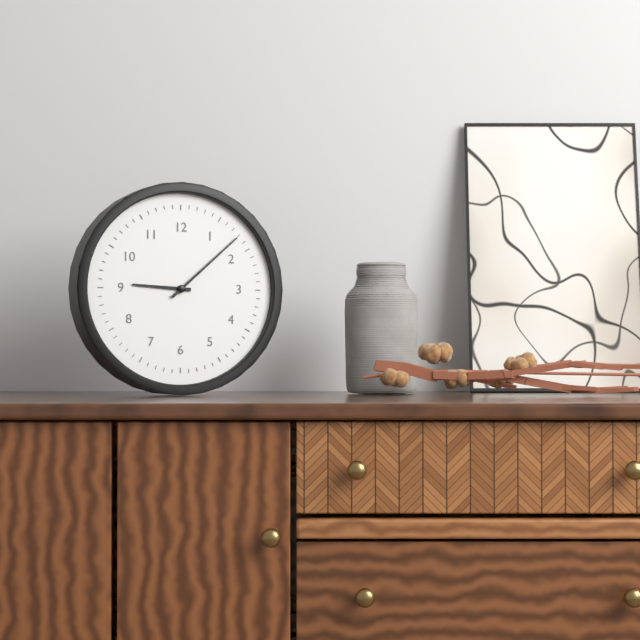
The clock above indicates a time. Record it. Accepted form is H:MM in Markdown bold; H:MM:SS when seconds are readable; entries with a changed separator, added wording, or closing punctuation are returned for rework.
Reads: **9:08**
